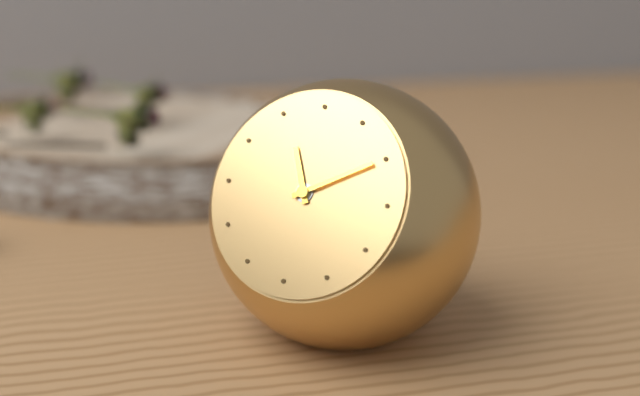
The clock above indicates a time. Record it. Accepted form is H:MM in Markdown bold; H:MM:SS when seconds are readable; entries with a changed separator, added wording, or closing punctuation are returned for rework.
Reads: **11:10**
